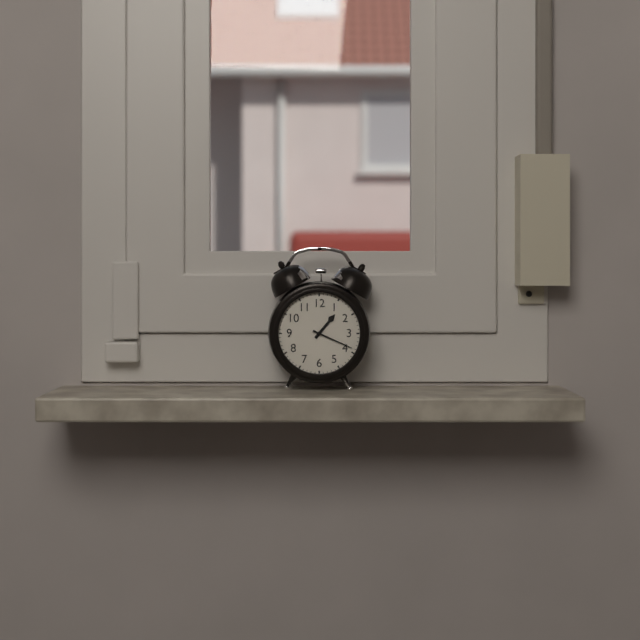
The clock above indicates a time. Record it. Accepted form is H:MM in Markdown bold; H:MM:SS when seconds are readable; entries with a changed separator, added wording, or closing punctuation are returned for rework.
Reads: **1:19**
